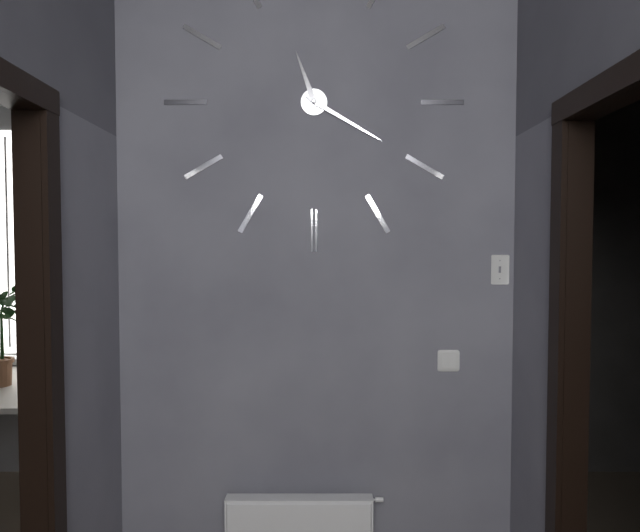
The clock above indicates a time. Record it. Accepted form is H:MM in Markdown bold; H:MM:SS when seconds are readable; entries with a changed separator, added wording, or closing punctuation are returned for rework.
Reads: **11:20**
